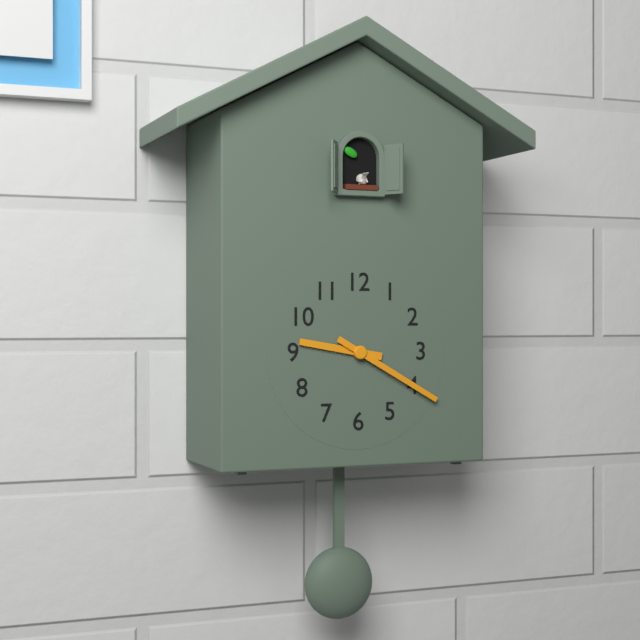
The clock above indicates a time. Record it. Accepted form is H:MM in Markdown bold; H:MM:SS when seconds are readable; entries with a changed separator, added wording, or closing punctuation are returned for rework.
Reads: **9:20**
